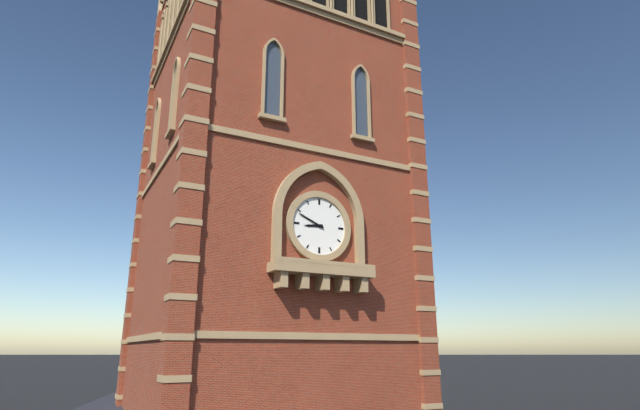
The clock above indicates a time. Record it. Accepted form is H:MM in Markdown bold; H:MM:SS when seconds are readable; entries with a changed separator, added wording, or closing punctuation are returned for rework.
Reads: **8:49**
